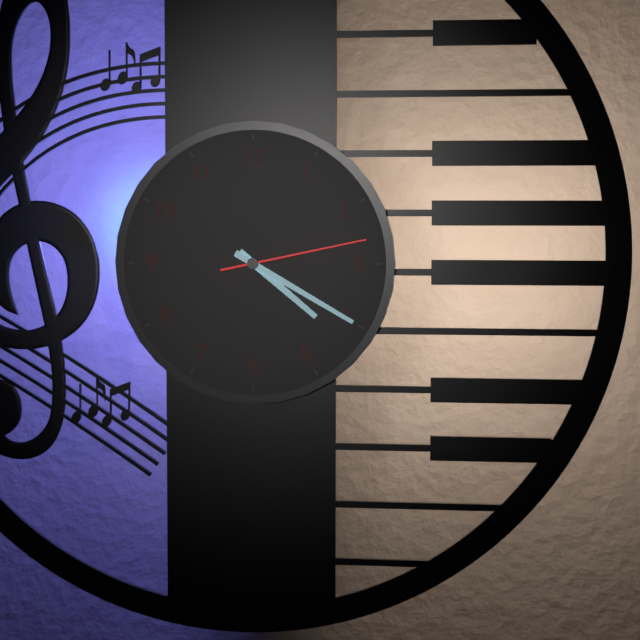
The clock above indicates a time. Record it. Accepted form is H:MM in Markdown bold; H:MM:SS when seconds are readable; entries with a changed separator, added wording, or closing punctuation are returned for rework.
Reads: **4:20:13**
